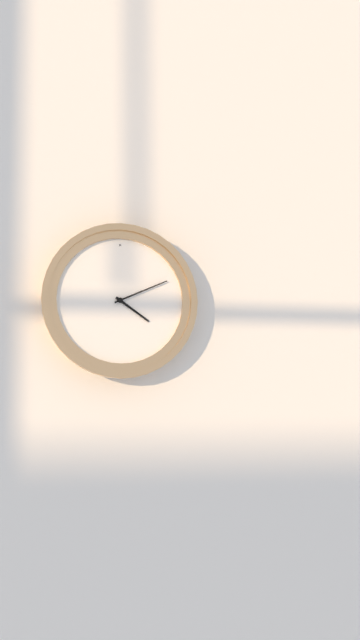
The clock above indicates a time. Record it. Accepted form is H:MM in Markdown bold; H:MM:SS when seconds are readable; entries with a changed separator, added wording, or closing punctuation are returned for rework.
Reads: **4:11**
